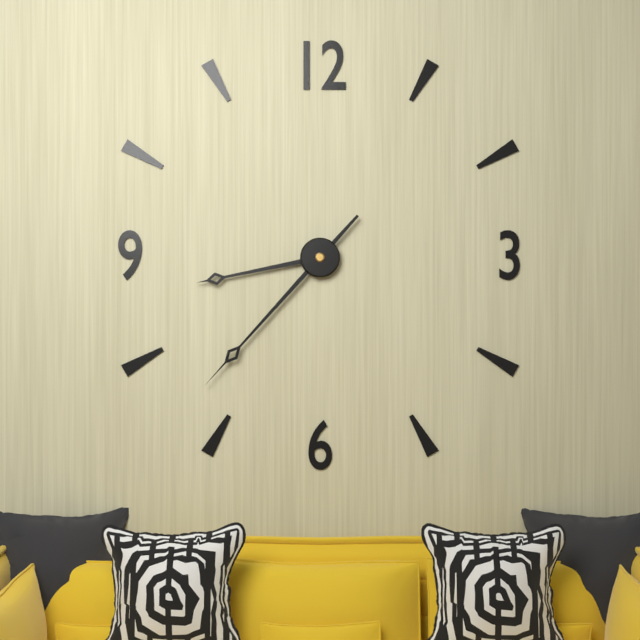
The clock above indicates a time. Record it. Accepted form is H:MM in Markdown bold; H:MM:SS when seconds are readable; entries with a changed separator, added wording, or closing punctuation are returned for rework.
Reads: **8:37**
